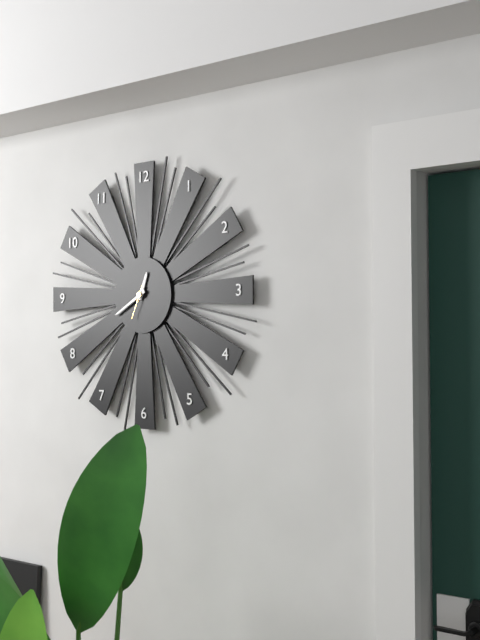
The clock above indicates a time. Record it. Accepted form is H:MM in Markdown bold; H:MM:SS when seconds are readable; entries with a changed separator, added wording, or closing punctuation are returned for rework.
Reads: **12:40**
